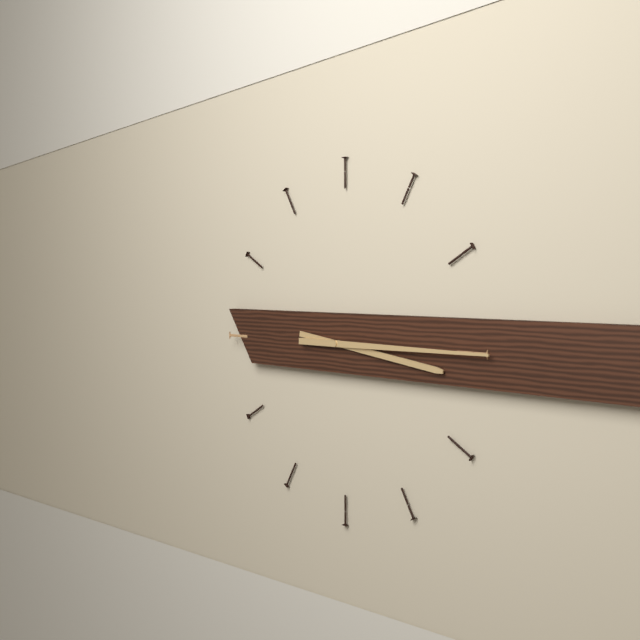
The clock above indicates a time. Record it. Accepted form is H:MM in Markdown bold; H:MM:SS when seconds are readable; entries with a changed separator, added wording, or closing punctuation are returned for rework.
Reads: **3:15**
